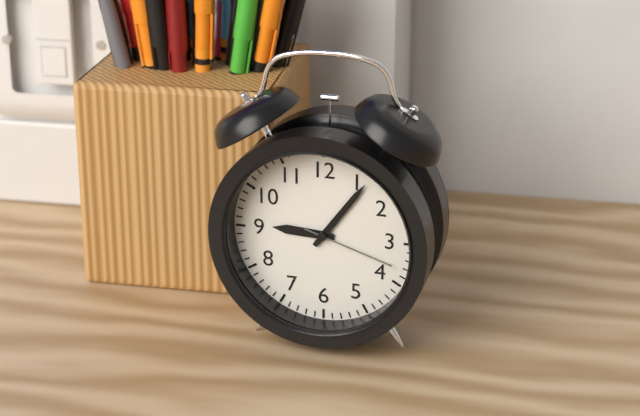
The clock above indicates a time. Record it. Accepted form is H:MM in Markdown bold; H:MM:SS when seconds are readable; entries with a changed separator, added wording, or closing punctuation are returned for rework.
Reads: **9:06:18**
